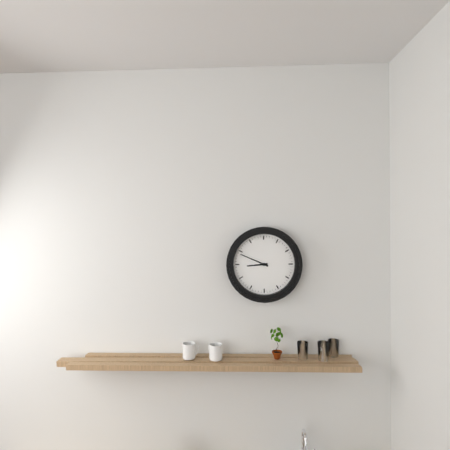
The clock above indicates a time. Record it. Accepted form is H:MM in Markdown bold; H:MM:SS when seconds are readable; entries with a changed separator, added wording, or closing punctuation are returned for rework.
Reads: **8:49**
